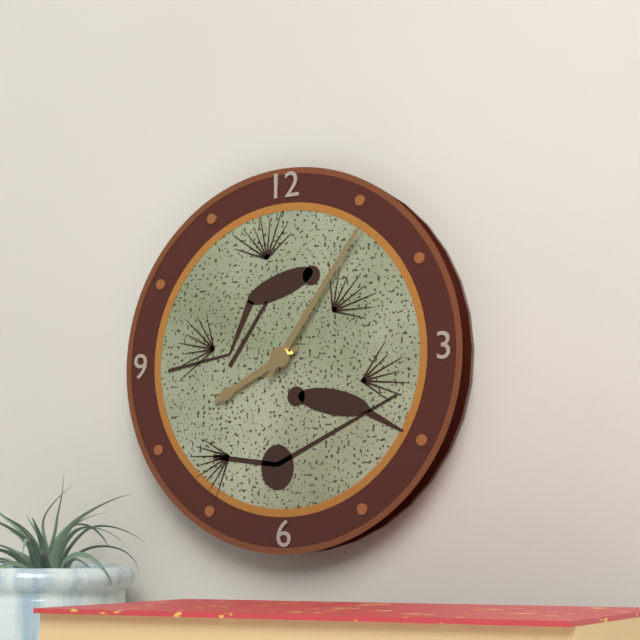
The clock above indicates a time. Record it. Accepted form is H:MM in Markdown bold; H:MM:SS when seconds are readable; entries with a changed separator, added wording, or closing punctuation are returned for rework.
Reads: **8:06**
